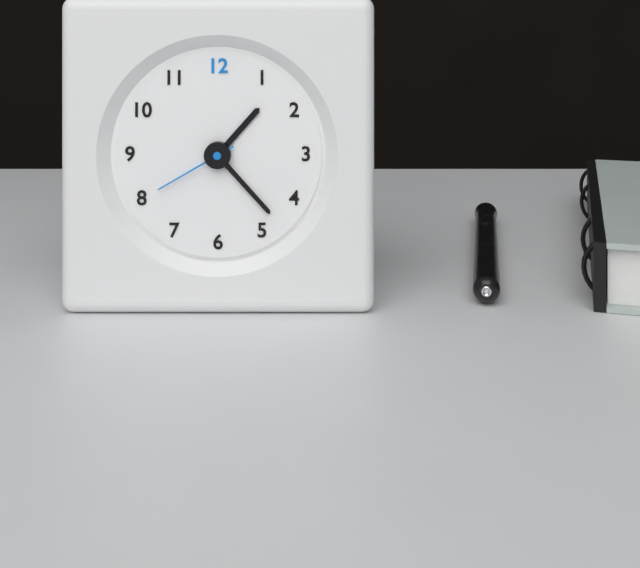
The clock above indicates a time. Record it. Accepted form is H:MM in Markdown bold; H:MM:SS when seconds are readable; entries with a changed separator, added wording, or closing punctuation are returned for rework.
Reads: **1:23:40**
